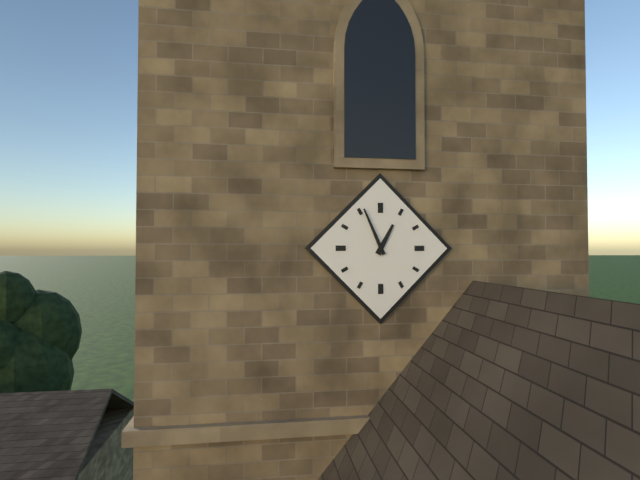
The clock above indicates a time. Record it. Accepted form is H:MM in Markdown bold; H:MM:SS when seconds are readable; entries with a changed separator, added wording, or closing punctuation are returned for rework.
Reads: **12:56**
